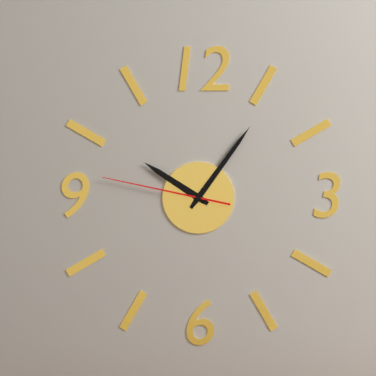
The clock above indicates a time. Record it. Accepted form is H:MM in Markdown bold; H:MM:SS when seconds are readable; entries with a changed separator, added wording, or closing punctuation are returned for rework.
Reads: **10:06:47**
